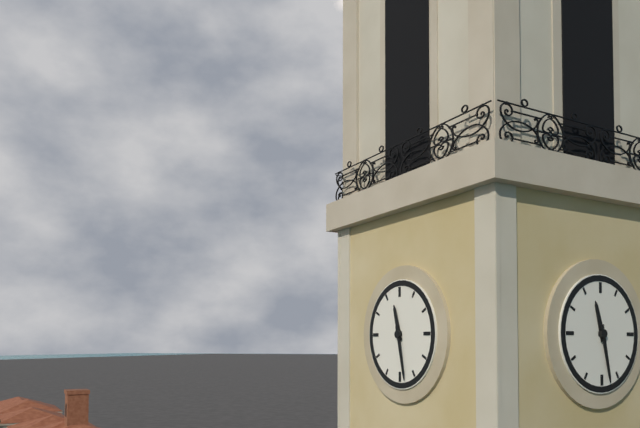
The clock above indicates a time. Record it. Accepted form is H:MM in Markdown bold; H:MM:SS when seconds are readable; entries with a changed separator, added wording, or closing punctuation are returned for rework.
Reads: **11:28**
